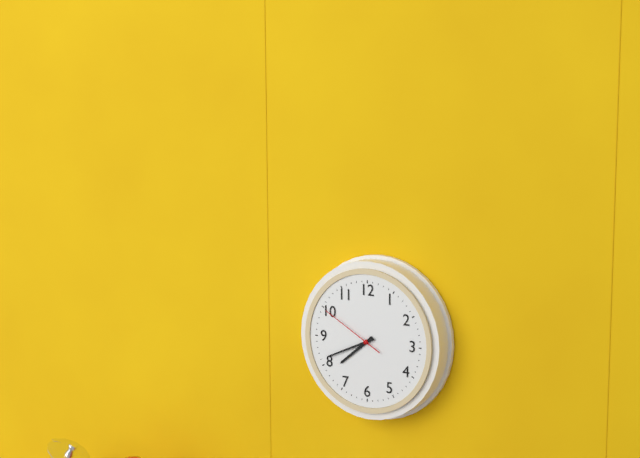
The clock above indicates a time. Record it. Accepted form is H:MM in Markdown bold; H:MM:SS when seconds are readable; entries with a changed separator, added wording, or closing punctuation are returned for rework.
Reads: **7:41:50**
